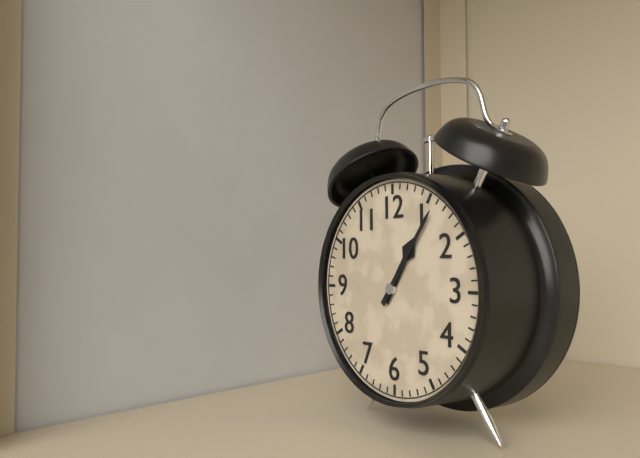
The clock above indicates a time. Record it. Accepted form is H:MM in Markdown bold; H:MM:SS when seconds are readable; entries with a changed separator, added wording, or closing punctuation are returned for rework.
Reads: **1:06**
